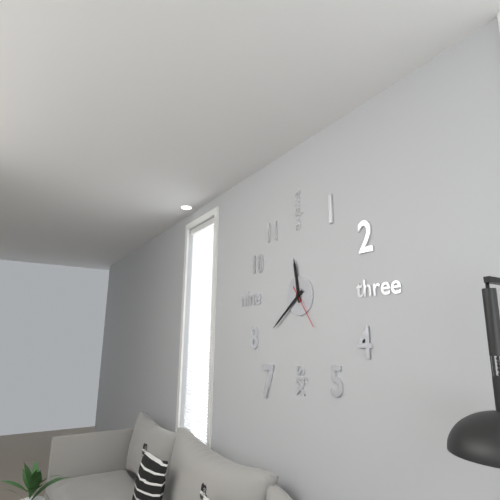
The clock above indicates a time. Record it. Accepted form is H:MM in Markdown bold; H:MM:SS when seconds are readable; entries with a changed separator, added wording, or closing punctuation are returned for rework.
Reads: **11:39**
